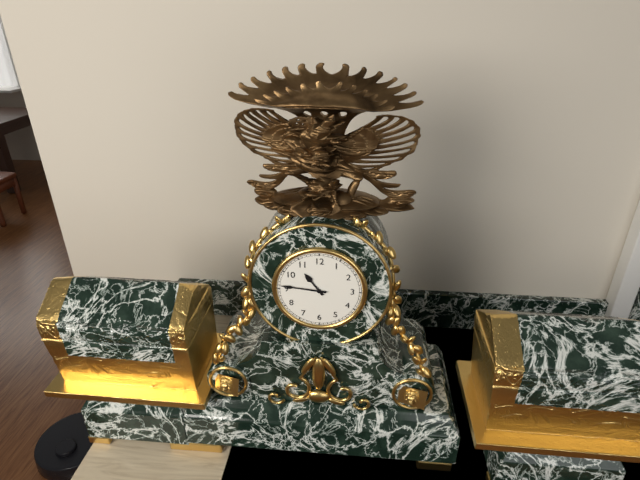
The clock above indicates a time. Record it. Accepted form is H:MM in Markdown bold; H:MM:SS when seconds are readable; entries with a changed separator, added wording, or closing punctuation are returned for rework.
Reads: **10:46**
